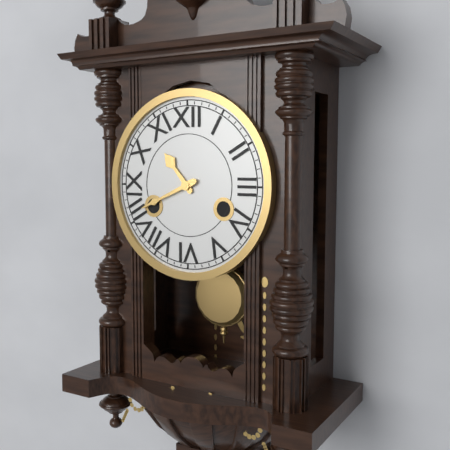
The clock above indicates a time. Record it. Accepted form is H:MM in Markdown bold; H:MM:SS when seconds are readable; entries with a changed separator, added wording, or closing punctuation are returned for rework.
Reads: **10:41**
